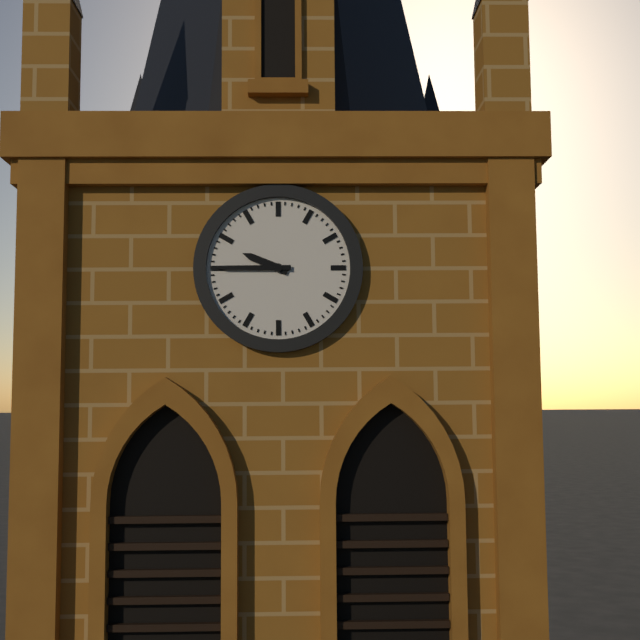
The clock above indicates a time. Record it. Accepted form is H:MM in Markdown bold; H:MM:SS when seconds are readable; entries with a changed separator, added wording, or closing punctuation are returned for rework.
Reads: **9:45**
